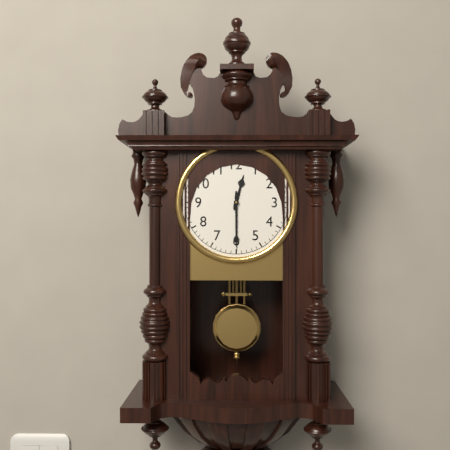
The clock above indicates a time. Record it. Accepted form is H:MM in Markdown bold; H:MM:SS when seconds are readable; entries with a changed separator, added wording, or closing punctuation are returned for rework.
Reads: **12:30**
